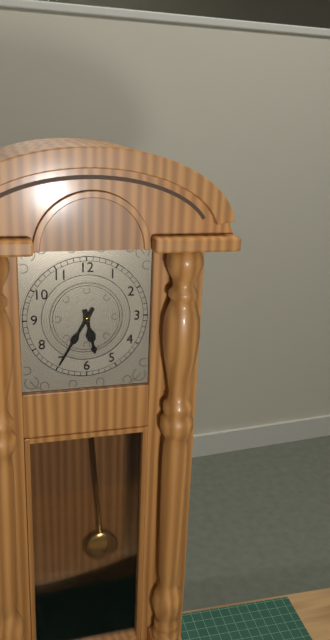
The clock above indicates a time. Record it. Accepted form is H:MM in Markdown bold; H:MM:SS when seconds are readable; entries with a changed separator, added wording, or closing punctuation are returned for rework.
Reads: **5:35**
